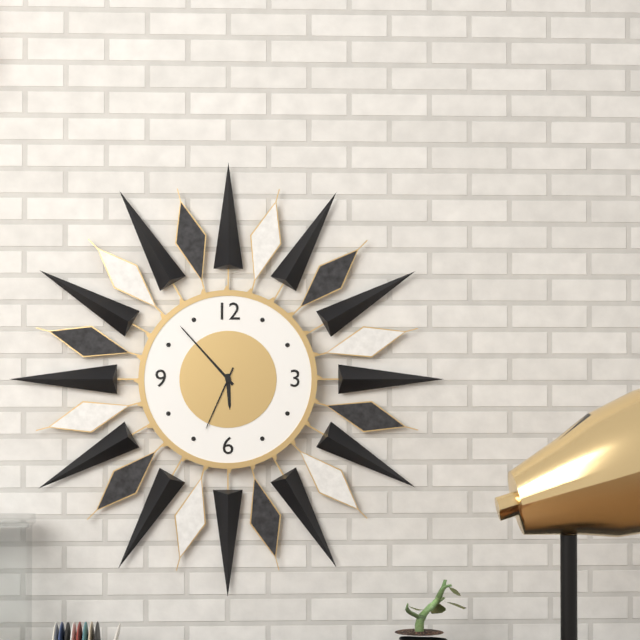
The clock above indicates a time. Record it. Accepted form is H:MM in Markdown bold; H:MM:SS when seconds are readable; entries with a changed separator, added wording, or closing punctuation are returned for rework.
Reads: **5:53:34**
